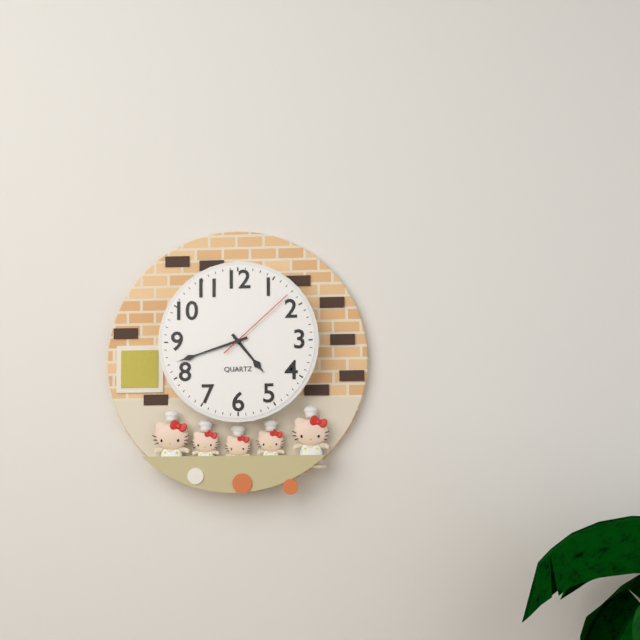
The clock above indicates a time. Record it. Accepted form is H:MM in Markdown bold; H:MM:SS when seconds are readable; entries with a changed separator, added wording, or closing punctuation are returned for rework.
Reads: **4:42:08**
